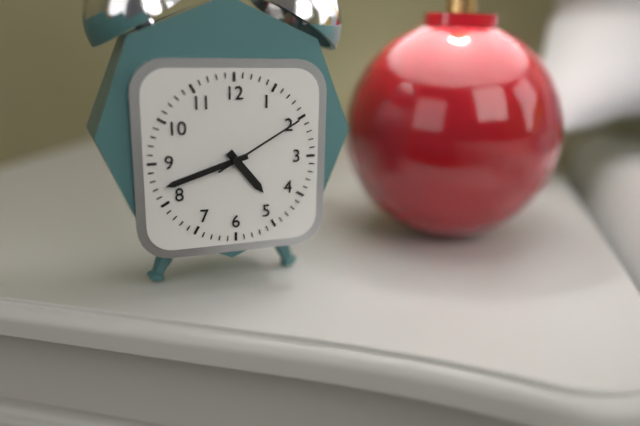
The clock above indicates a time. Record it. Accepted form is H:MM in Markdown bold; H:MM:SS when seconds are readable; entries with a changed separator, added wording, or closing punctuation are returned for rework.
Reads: **4:42:10**
